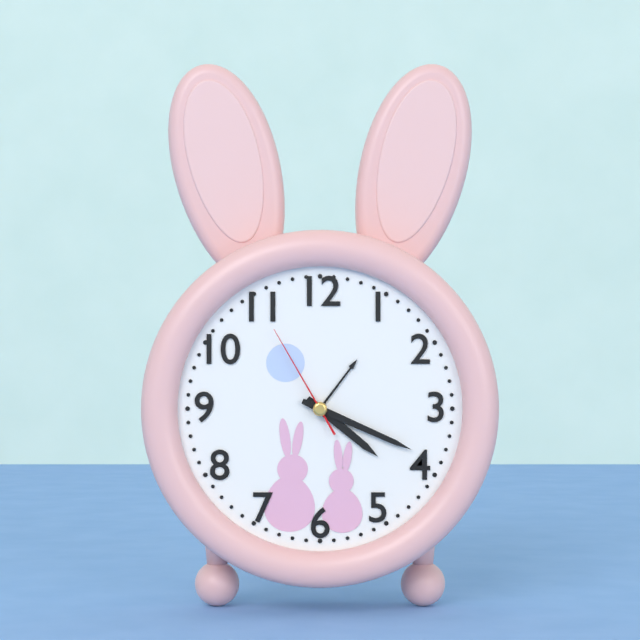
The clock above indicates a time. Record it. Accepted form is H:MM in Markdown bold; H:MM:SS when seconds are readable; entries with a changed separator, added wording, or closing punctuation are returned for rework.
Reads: **4:19:55**
